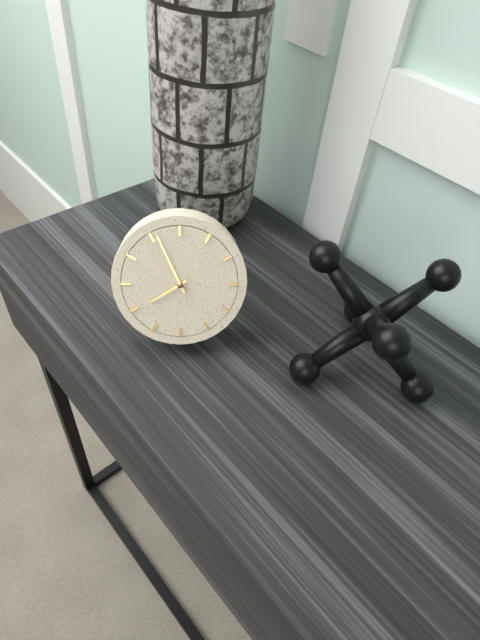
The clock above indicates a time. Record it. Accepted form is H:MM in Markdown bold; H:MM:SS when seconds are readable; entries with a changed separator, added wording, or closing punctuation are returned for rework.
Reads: **7:56**
